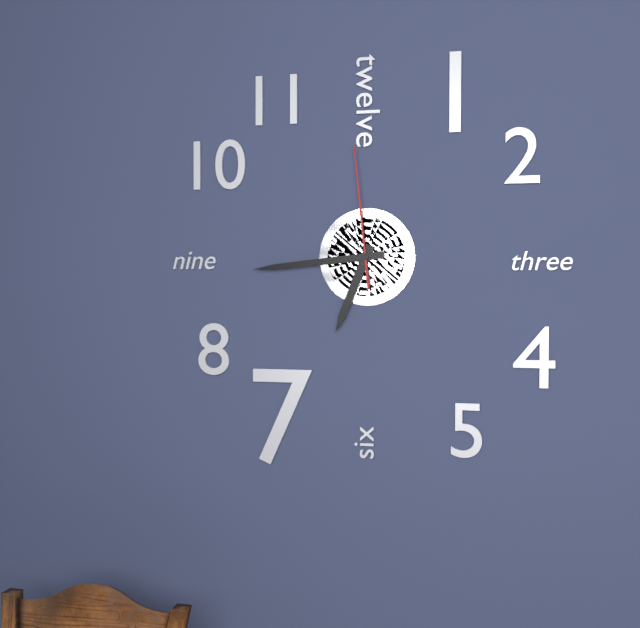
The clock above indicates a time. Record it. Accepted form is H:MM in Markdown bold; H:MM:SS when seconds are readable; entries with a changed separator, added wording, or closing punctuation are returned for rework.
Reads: **6:44:59**
